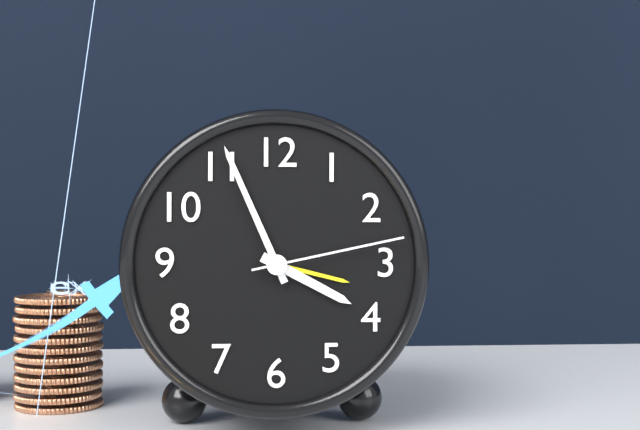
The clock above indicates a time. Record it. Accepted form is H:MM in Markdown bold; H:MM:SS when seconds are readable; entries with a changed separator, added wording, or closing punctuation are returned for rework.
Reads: **3:56:13**
